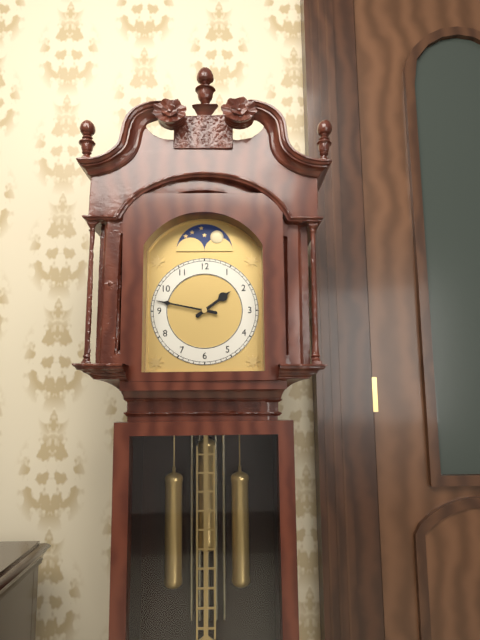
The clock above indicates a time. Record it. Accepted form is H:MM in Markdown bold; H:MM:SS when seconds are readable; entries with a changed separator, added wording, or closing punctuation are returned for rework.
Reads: **1:47**
